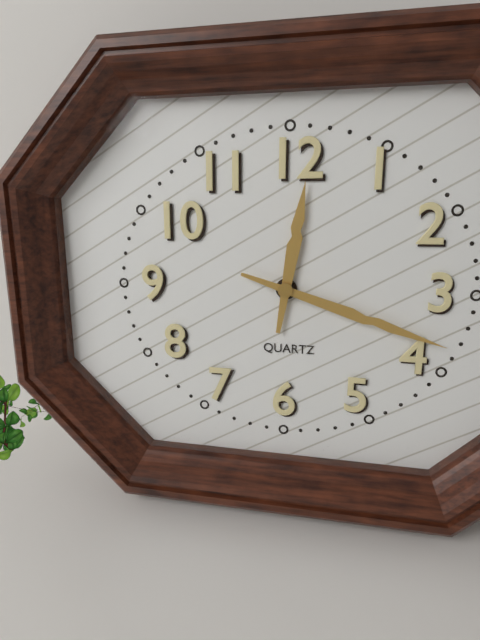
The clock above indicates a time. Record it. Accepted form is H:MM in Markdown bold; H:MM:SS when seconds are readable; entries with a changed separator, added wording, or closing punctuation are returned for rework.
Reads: **12:18**
